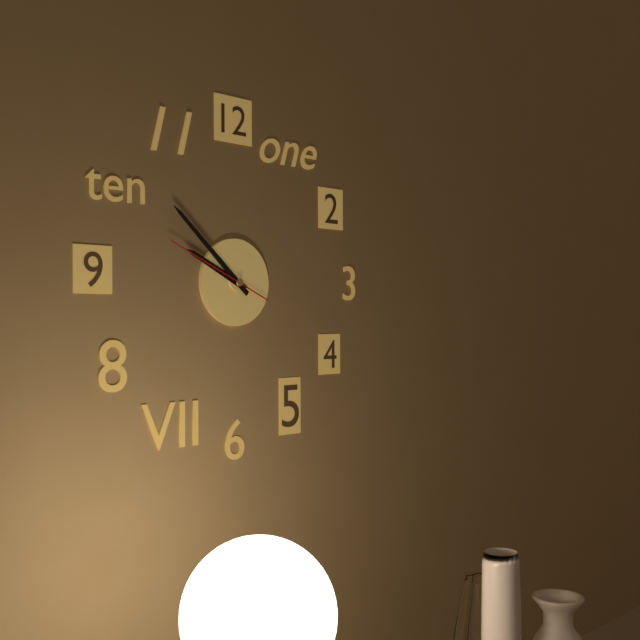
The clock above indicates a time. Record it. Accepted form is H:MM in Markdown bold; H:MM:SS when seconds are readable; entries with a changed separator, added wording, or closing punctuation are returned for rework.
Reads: **9:52:49**
